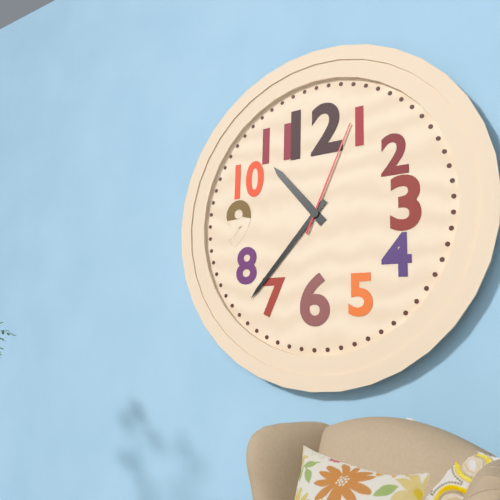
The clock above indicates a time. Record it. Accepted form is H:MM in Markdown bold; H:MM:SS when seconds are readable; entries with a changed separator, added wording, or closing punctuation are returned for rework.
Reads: **10:37:04**
